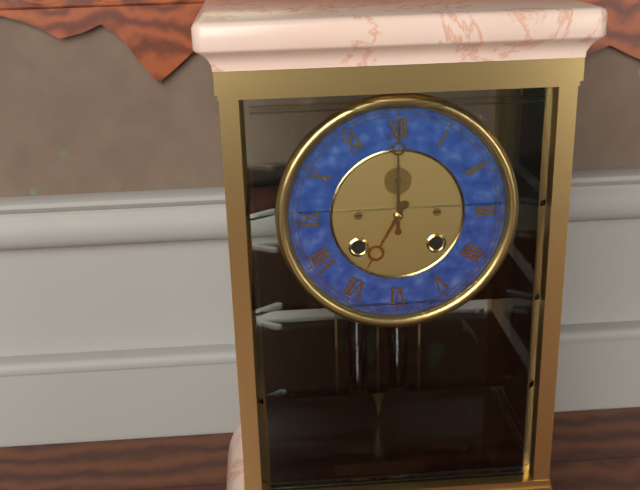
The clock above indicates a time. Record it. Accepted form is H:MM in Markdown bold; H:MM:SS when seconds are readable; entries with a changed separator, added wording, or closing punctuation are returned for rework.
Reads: **7:00**
